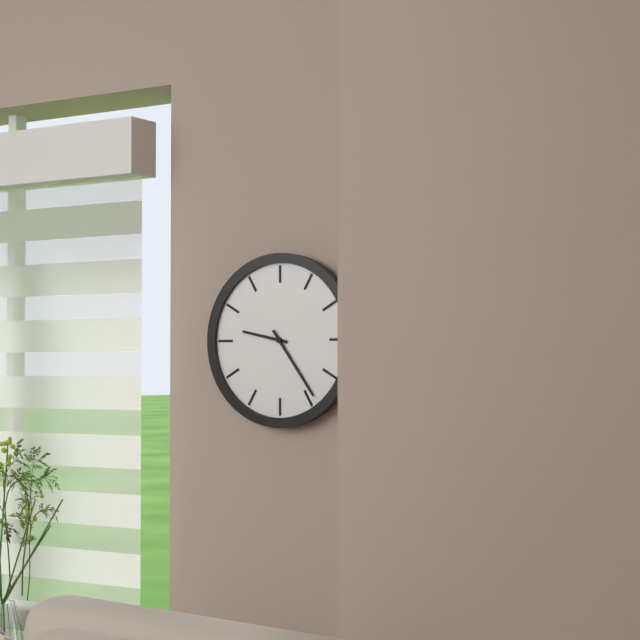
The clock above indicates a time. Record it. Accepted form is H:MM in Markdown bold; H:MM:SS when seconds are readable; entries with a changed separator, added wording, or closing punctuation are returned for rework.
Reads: **9:24**
